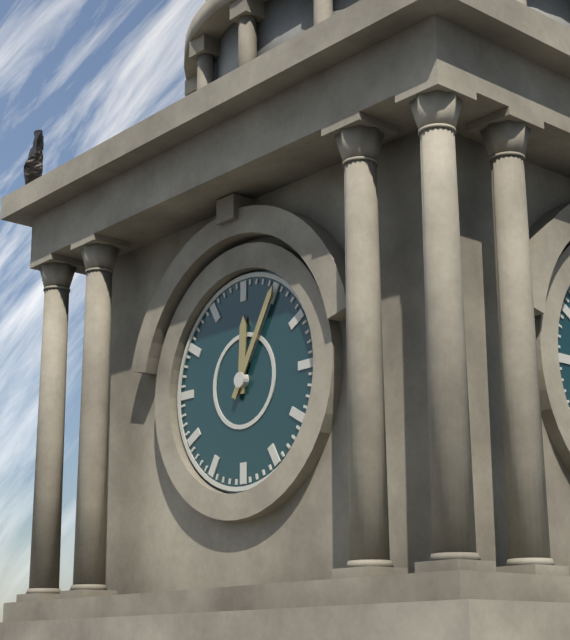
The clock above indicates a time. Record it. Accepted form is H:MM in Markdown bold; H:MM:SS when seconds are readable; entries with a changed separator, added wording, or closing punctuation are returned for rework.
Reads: **12:05**
